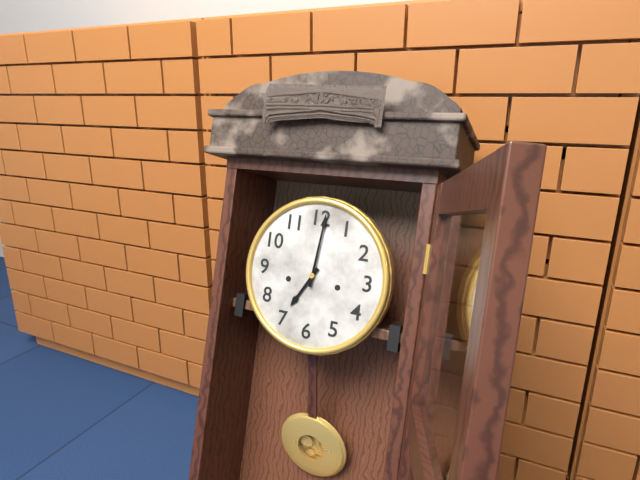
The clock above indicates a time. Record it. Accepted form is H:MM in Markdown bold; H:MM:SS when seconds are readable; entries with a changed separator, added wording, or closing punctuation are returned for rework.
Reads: **7:01**
